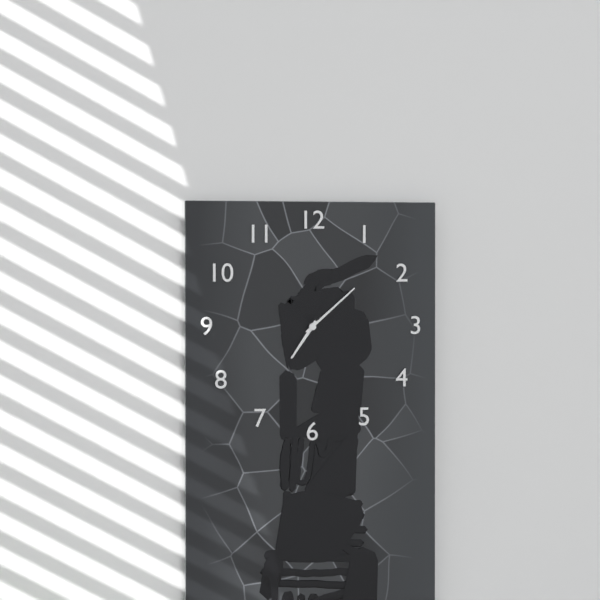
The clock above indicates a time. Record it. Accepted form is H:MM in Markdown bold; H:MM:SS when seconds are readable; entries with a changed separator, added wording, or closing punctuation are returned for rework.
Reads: **7:08**
